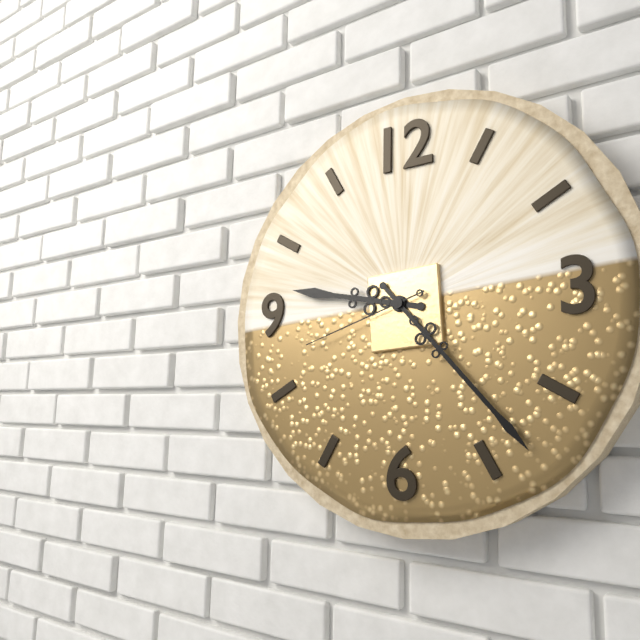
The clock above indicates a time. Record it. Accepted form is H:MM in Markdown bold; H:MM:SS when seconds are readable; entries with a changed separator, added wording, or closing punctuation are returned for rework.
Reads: **9:23:42**
